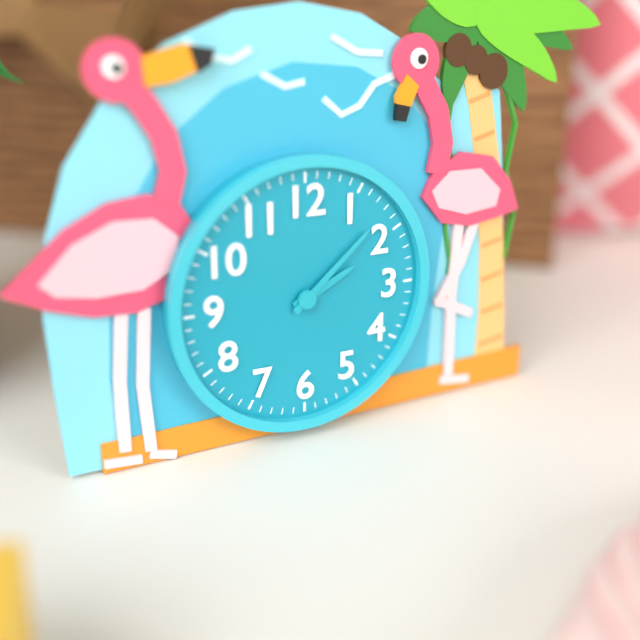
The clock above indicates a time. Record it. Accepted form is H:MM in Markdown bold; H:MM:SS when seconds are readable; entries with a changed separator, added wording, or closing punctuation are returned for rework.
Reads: **2:08**
